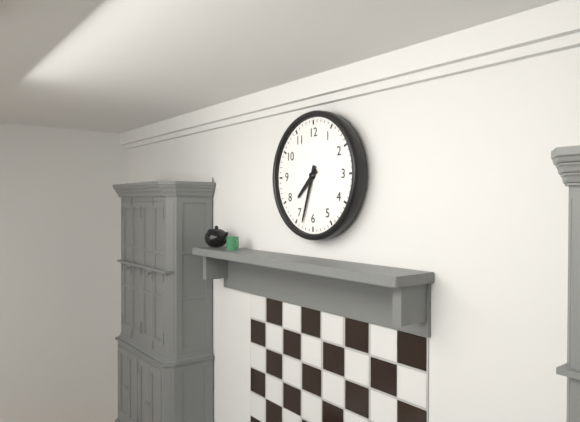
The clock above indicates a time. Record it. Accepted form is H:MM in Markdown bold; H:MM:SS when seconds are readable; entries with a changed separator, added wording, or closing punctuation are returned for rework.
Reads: **7:33**
